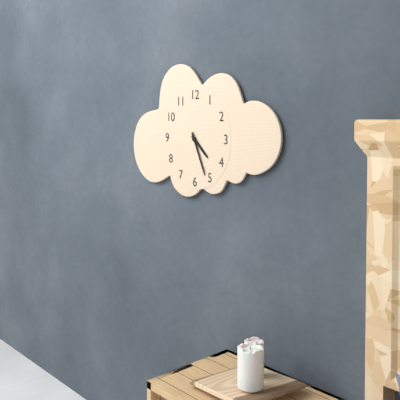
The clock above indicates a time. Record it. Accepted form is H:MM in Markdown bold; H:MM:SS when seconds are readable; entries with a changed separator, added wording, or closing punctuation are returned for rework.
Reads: **4:26**
